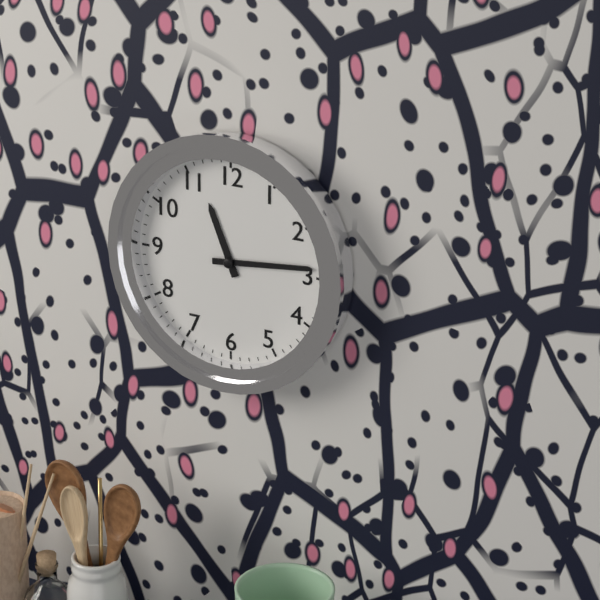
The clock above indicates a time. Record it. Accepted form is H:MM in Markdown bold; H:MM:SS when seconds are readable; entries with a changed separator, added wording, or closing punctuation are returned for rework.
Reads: **11:14**
